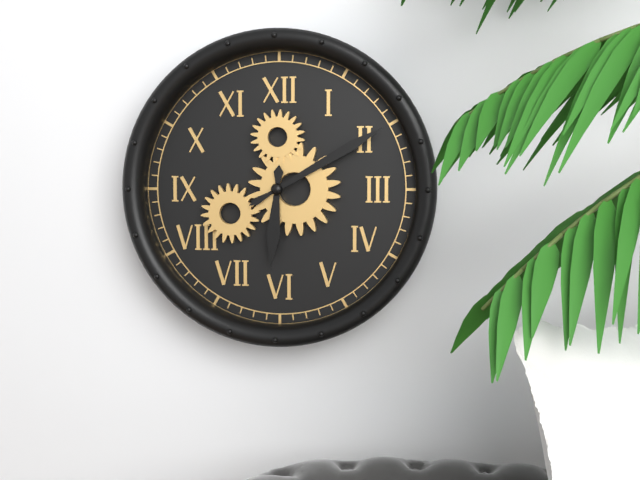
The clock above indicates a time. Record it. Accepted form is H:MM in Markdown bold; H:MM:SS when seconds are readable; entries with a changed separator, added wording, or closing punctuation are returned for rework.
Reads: **6:10**
